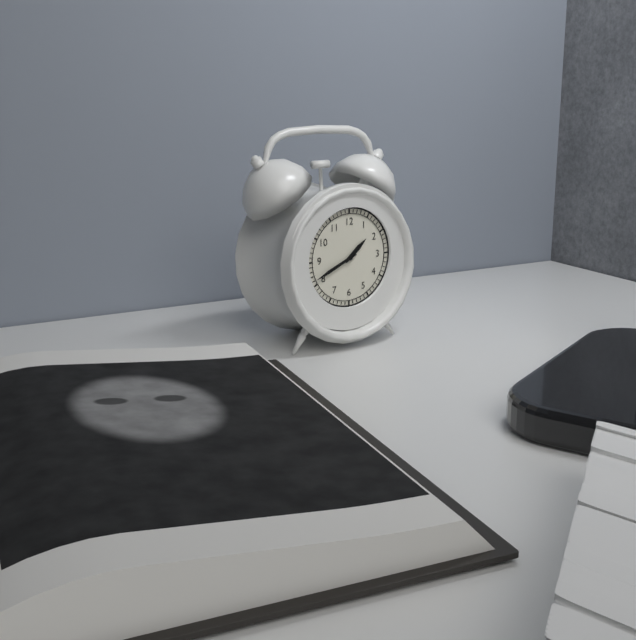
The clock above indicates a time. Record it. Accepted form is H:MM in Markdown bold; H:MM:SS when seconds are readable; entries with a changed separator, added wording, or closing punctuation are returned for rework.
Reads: **1:41**
